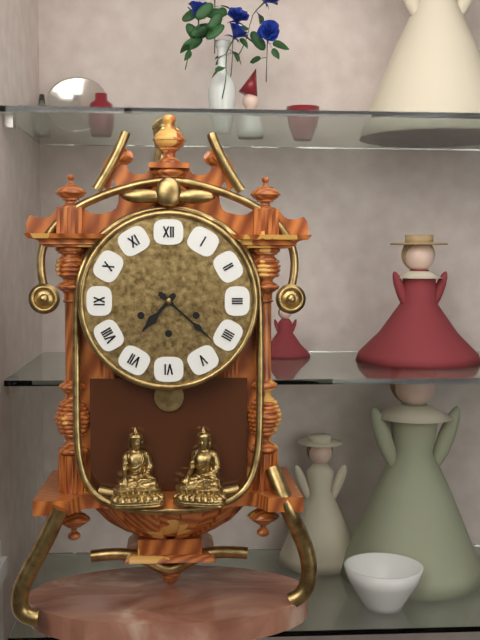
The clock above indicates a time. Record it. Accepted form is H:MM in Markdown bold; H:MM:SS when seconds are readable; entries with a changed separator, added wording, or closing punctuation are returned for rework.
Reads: **7:22**
